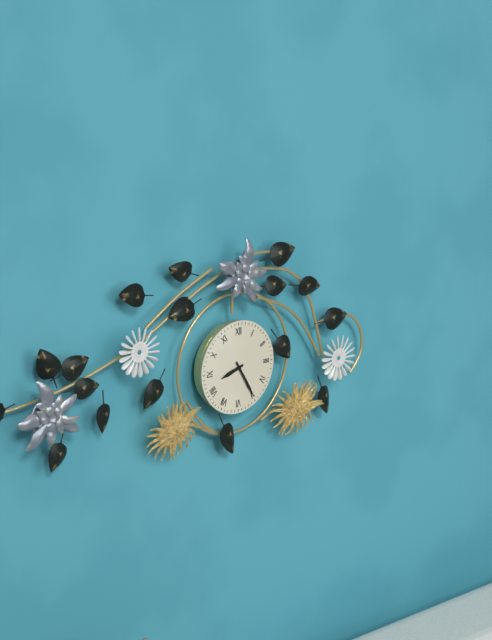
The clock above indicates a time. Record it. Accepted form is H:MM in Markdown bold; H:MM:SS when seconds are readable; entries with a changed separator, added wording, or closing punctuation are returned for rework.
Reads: **8:25**
